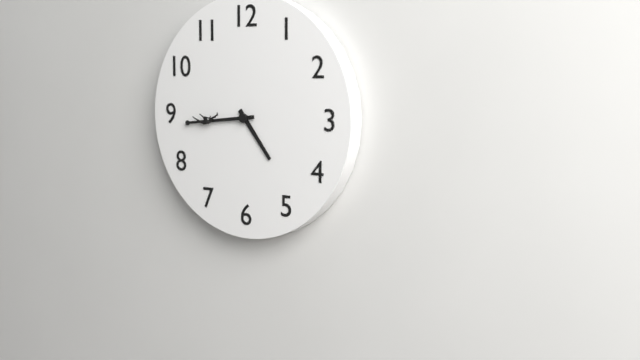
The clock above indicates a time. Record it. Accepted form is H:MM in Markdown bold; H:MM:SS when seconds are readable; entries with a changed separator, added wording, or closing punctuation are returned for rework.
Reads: **4:44**
